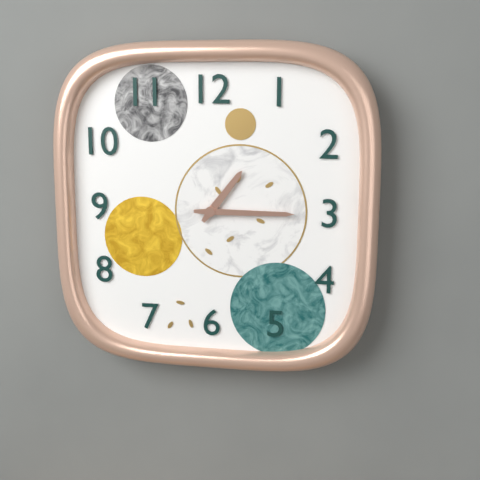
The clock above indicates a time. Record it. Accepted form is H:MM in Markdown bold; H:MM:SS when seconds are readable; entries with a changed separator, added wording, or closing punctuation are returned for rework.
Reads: **1:15**
